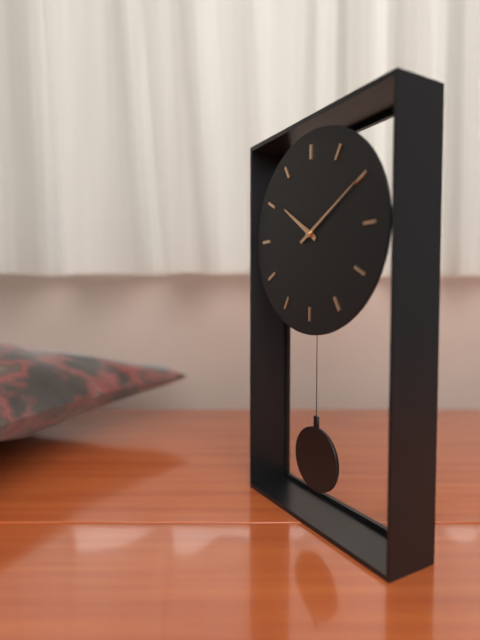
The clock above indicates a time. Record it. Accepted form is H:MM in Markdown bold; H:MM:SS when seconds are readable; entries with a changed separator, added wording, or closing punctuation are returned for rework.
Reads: **10:10**
